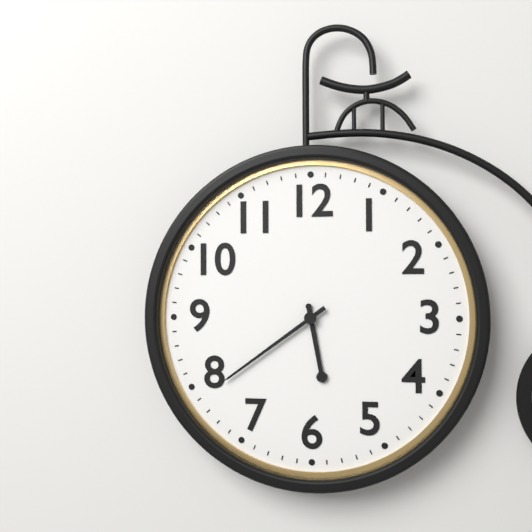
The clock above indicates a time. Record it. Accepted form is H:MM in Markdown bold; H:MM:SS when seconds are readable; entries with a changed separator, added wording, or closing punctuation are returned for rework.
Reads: **5:39**
